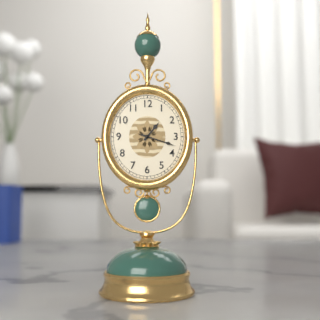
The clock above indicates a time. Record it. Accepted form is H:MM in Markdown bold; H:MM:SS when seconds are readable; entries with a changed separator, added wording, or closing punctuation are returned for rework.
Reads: **1:18**
